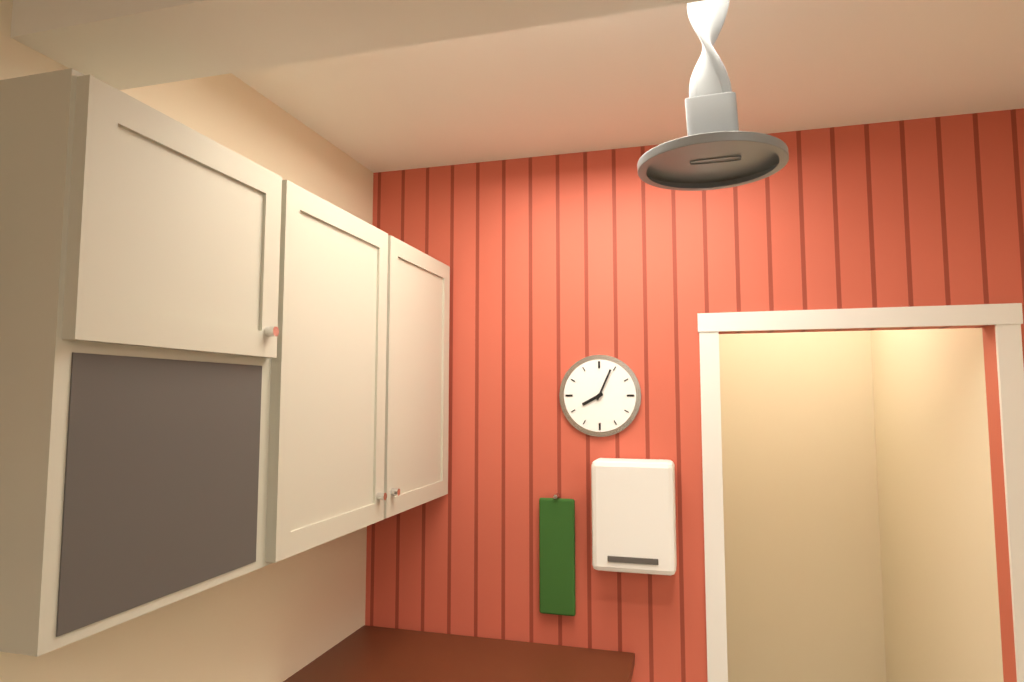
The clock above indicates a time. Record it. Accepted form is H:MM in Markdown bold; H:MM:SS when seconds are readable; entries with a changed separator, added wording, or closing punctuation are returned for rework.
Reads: **8:04**
